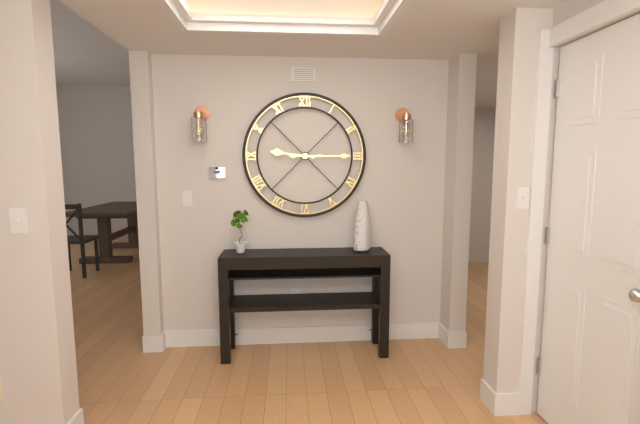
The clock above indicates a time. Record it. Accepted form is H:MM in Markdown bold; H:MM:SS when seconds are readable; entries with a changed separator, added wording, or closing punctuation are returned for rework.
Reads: **9:15**
